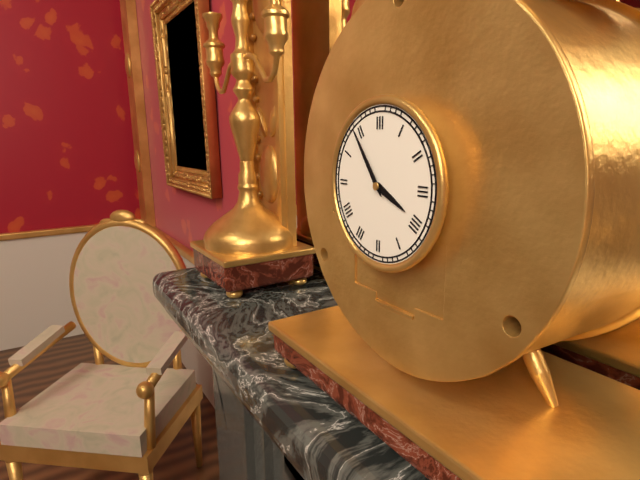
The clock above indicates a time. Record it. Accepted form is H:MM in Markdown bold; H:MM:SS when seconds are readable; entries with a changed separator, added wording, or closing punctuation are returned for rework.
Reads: **3:54**
